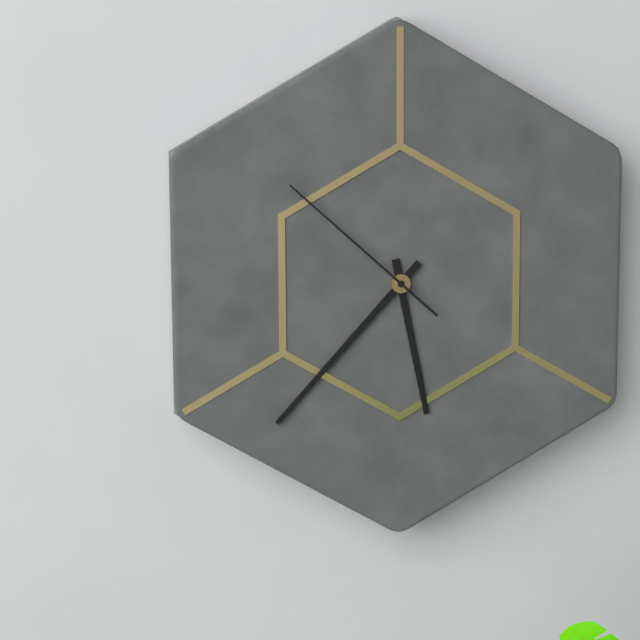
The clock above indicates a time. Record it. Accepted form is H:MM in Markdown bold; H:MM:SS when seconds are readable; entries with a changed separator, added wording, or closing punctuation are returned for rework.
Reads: **5:37:52**
